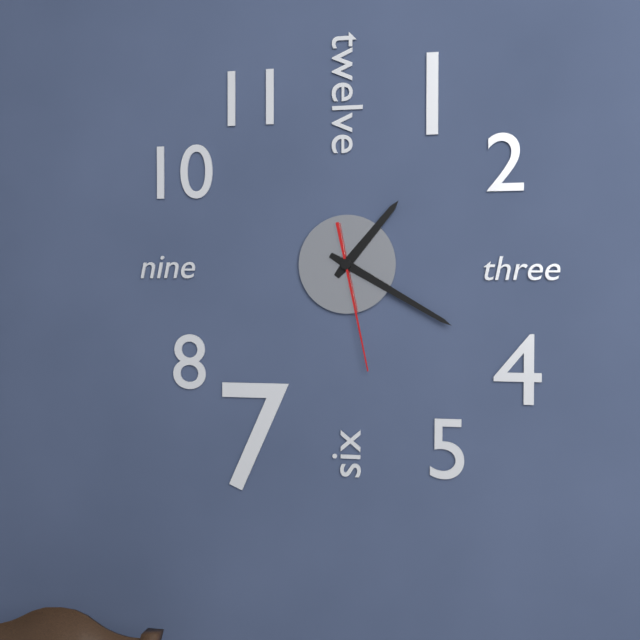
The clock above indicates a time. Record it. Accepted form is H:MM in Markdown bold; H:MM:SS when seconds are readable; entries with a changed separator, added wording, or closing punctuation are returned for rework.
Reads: **1:20:28**
